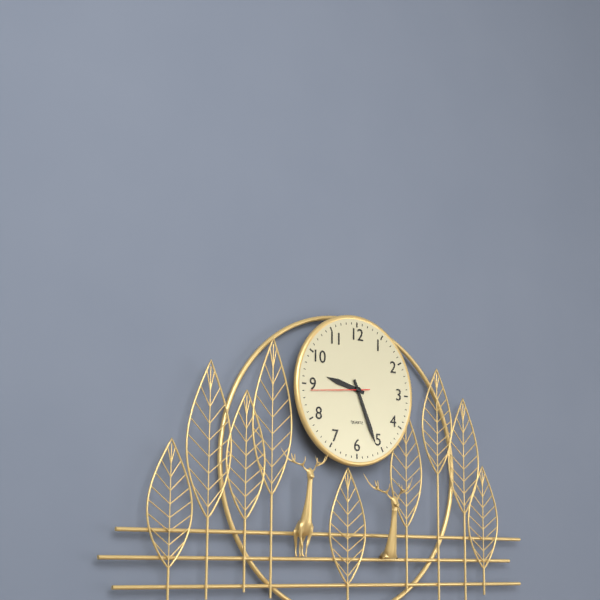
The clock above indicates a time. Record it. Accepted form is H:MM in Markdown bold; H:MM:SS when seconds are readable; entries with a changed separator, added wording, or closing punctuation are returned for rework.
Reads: **9:26:44**
